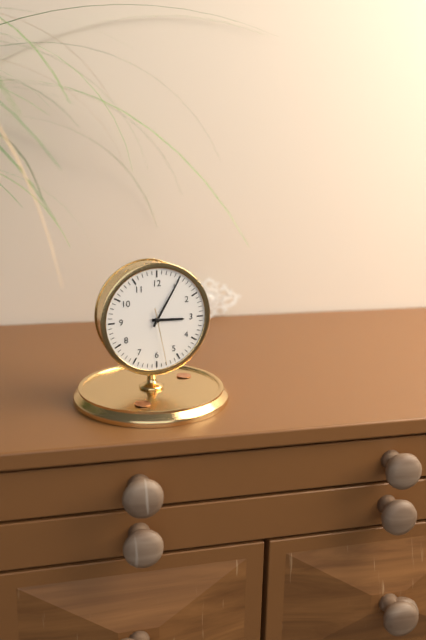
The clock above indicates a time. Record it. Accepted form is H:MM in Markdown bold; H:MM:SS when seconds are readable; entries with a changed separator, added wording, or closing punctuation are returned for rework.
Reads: **3:05:28**
